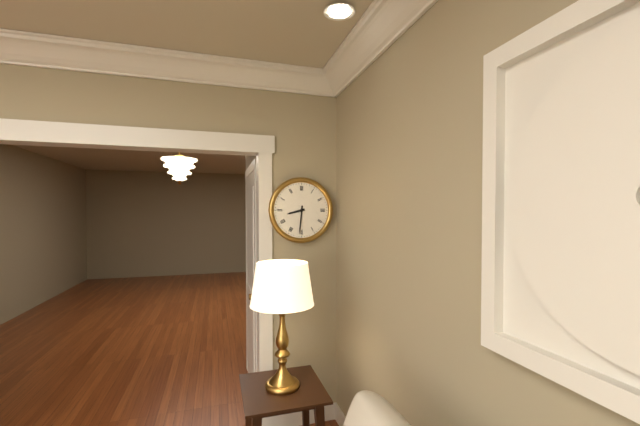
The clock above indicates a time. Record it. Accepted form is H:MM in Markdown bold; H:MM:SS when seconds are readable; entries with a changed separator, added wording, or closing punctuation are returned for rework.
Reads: **8:31**
